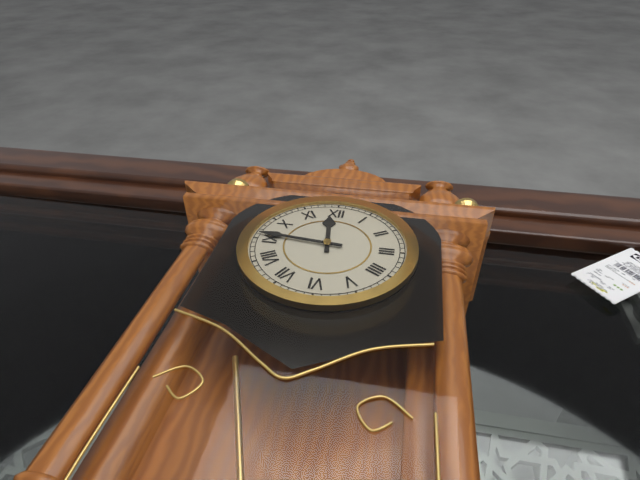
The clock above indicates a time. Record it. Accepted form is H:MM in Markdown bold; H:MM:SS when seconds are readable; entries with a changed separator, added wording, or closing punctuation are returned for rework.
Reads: **11:46**
